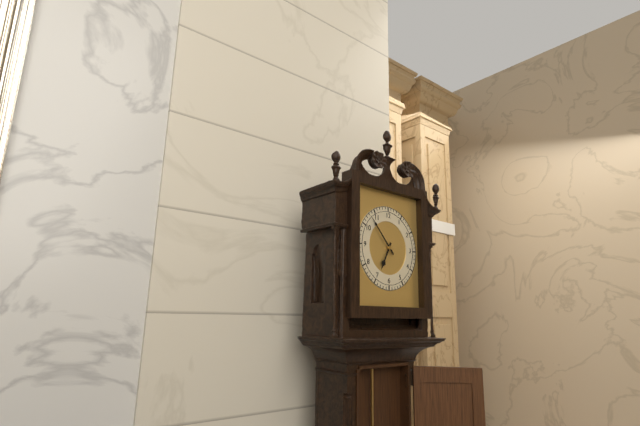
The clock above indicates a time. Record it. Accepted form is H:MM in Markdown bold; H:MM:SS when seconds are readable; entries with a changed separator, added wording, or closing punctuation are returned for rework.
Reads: **6:53**
